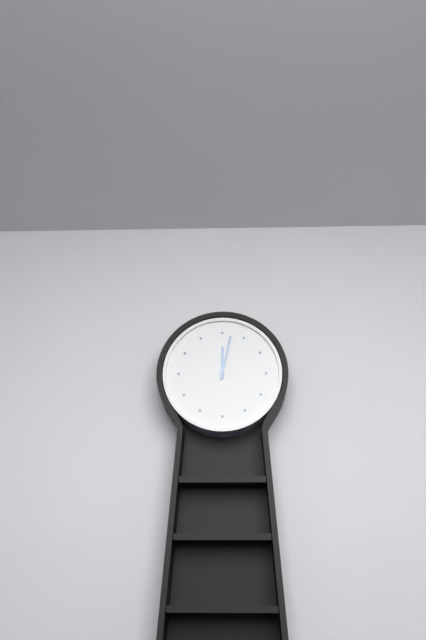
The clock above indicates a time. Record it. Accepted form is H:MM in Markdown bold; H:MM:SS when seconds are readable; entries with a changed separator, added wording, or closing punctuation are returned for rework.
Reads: **12:02**
